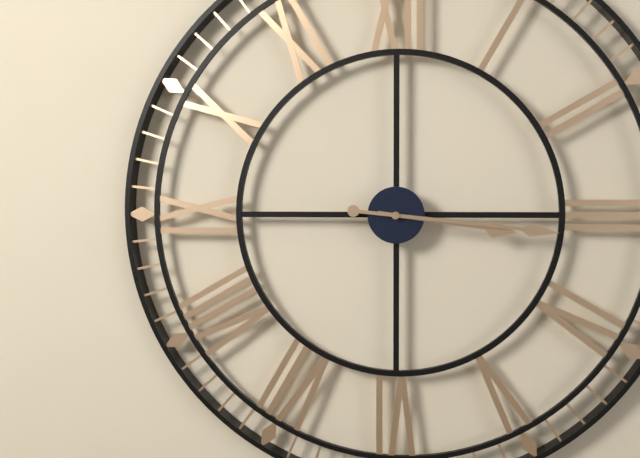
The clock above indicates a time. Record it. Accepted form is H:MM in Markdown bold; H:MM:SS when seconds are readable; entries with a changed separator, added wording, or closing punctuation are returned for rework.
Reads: **3:16**
